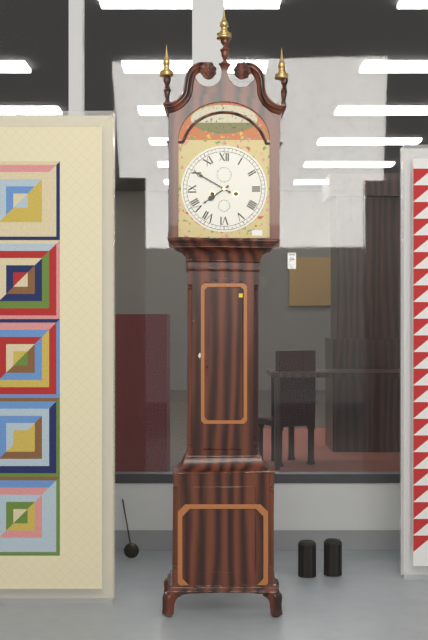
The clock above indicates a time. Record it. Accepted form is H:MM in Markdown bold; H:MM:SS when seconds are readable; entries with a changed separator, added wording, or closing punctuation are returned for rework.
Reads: **7:50**
